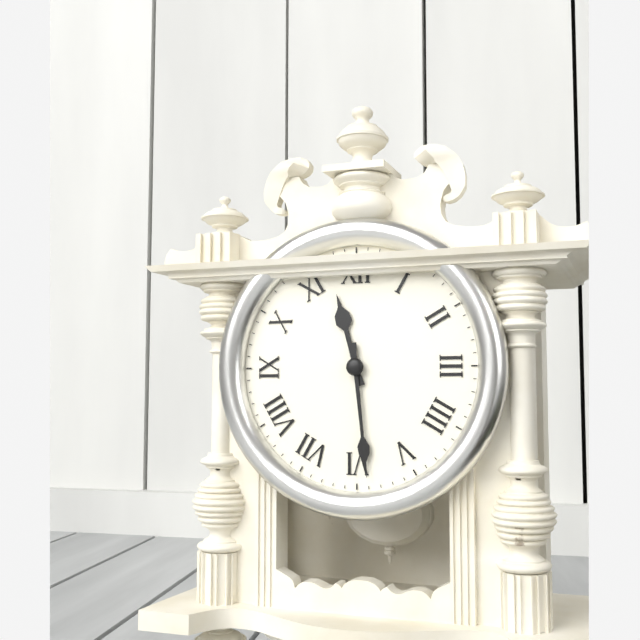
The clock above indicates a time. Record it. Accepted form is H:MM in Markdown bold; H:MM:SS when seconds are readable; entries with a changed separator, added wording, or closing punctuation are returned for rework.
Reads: **11:29**
